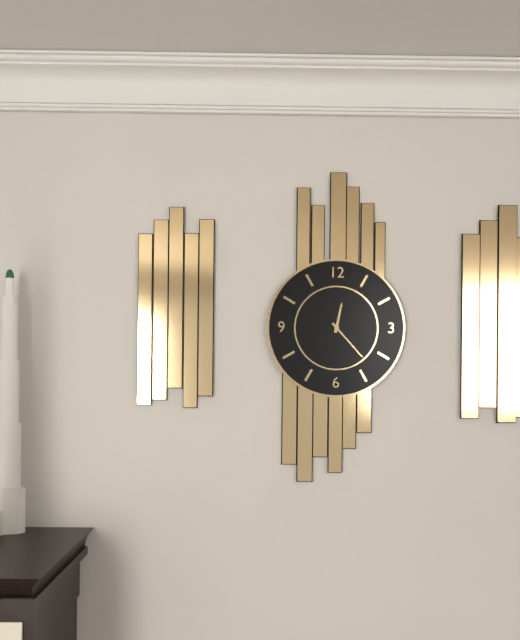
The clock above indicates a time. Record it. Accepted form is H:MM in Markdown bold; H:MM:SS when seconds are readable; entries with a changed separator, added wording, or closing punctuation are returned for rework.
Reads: **12:23**
